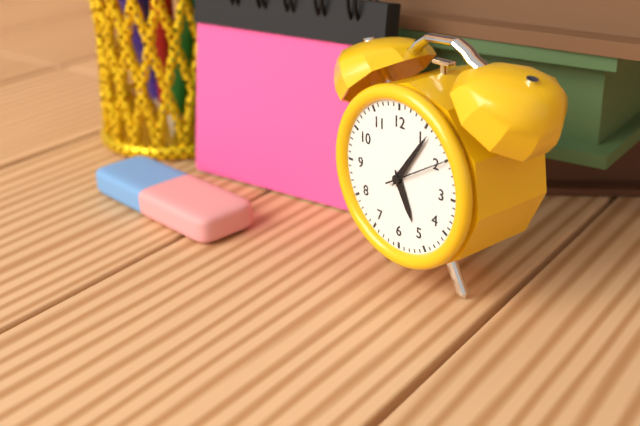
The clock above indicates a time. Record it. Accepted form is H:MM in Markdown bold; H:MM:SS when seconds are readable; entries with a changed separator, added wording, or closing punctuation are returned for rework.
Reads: **5:06:10**
